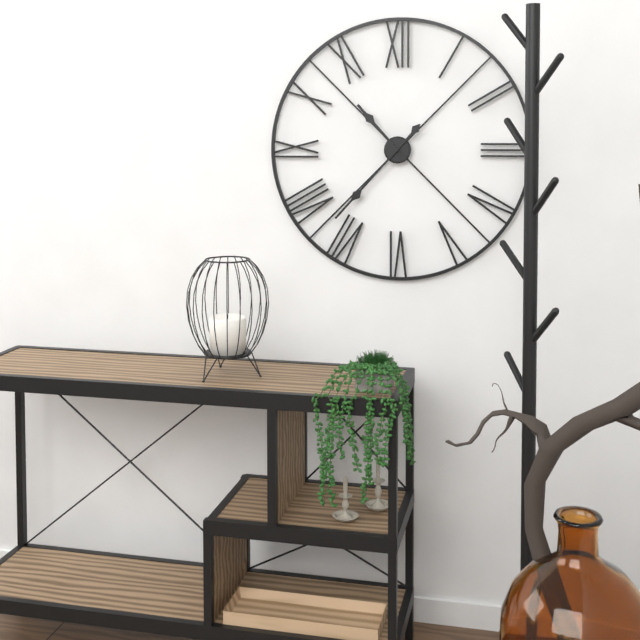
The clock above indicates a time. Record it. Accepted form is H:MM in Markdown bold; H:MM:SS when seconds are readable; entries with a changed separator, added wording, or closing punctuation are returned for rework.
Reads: **10:37**
